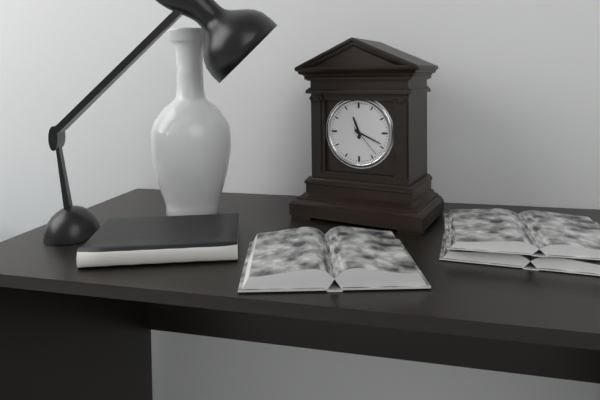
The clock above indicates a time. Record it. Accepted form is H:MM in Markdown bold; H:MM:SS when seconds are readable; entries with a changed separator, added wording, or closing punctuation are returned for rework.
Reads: **11:19**
